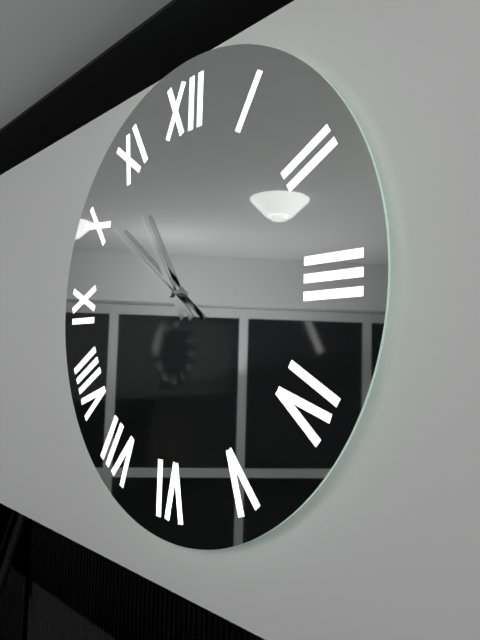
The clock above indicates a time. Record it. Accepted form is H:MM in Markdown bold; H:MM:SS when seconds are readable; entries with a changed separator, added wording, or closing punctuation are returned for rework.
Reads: **10:51**
